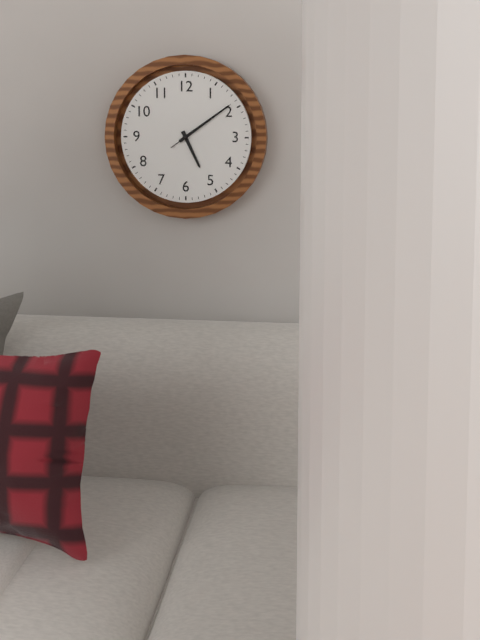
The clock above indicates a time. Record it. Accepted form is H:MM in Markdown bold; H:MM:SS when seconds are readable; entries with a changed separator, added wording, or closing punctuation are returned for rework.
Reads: **5:09:09**
